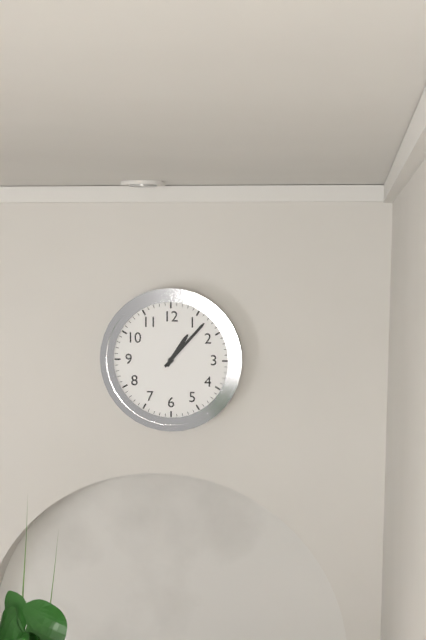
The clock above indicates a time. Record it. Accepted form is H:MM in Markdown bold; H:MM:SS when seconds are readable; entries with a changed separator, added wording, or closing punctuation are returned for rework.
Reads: **1:07**
